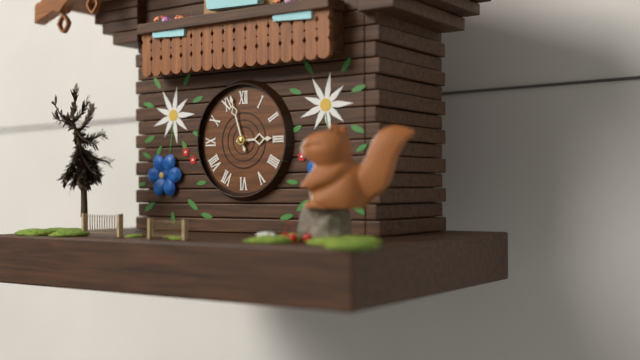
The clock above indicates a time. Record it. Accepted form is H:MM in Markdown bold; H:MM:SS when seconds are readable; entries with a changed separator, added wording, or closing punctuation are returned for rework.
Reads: **2:57**
